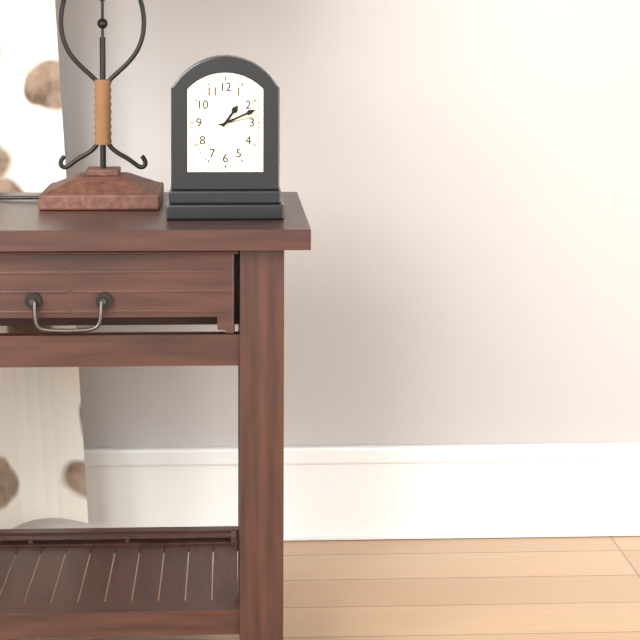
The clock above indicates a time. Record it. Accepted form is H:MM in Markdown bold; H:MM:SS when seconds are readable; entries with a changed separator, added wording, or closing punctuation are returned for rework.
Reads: **1:11**
